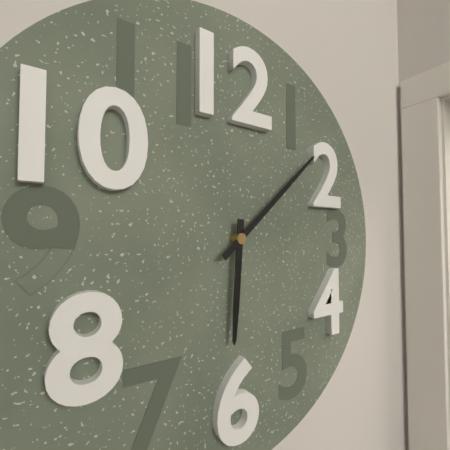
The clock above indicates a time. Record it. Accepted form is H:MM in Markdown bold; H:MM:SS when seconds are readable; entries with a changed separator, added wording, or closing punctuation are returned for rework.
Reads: **6:08**
